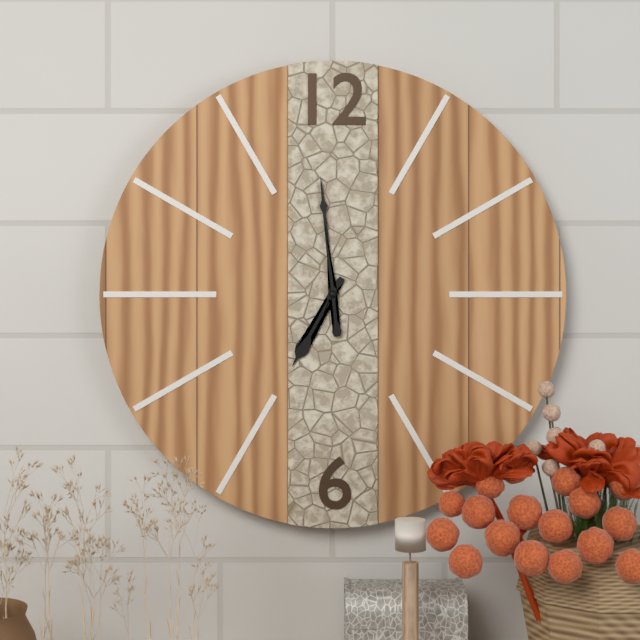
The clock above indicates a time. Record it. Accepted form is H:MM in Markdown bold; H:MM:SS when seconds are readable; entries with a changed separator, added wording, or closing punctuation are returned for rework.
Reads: **6:59**
